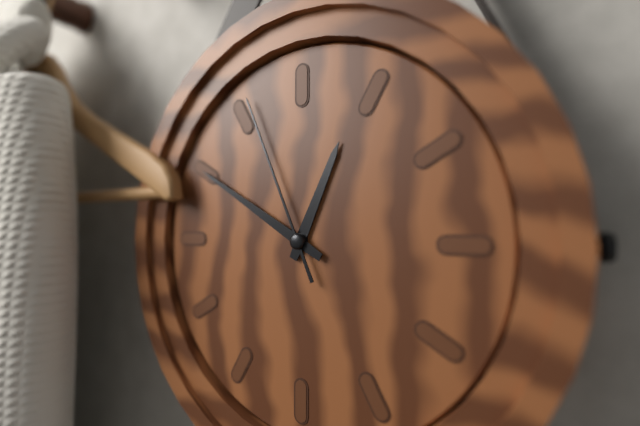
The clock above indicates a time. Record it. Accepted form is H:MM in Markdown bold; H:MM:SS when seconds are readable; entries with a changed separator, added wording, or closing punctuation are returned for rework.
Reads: **12:50:56**
